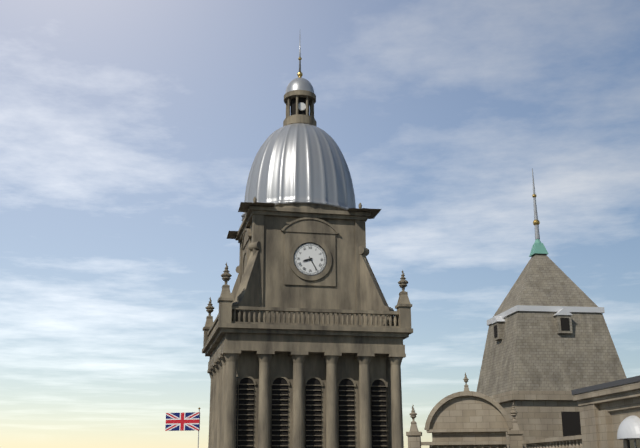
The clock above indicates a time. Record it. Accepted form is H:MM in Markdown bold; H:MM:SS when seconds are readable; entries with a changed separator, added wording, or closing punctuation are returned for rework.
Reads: **8:25**
